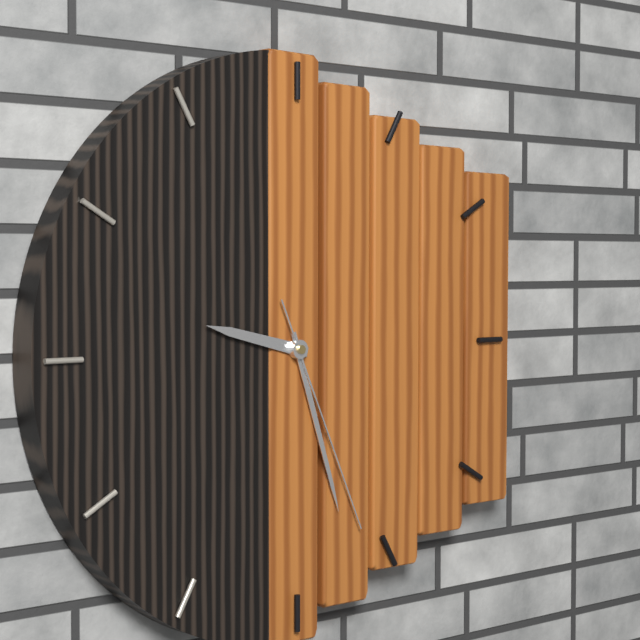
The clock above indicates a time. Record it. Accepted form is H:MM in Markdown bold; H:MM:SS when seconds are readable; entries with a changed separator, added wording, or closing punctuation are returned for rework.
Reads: **9:27:26**
